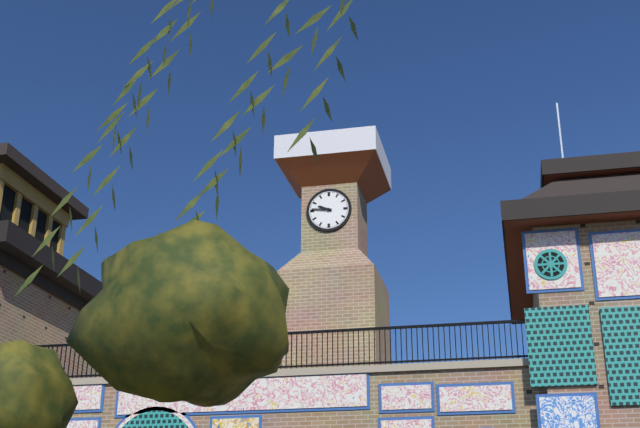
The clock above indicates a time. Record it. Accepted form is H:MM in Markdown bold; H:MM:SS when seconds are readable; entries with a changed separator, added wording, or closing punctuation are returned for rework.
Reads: **9:46**
